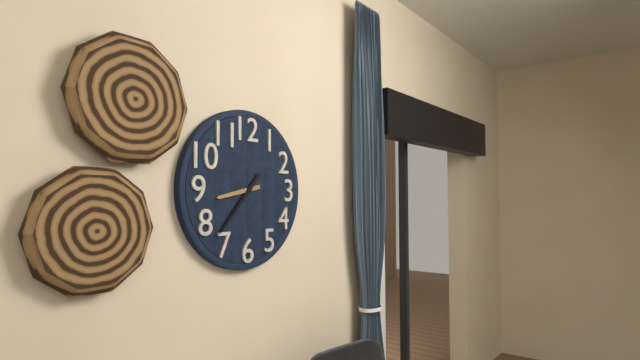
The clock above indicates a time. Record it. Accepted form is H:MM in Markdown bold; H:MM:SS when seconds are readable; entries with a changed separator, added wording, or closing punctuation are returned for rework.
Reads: **8:37**
